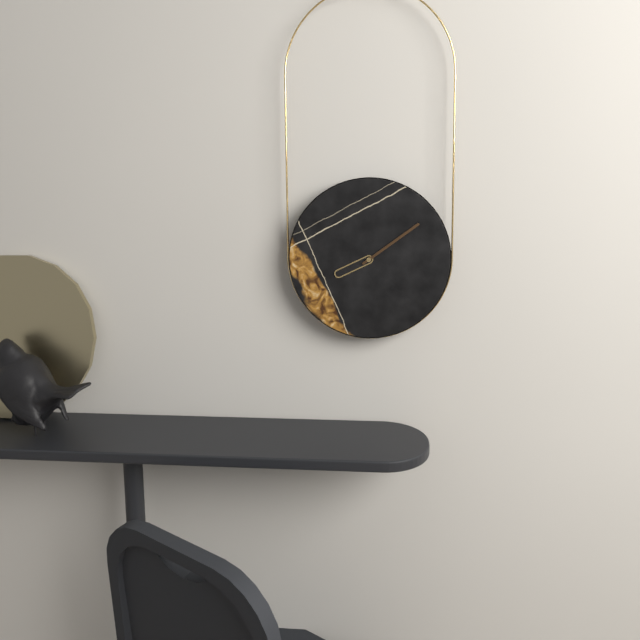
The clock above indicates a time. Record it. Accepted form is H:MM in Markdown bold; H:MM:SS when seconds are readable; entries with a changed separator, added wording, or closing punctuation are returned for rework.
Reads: **8:09**
